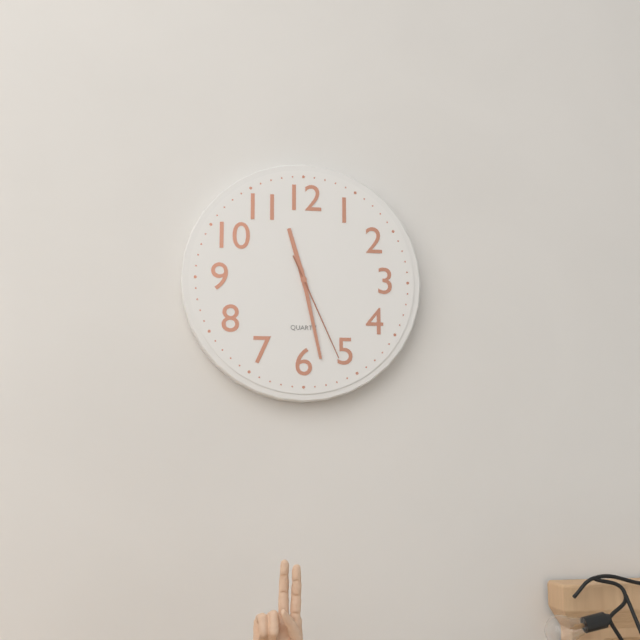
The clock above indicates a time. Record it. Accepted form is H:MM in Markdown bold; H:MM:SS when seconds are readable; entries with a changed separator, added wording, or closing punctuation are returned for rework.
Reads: **11:28:26**
